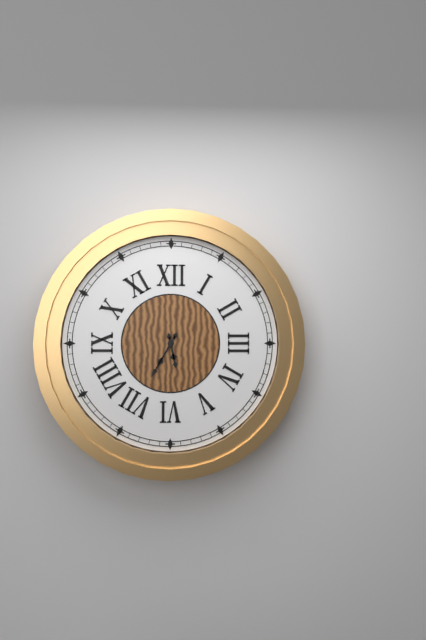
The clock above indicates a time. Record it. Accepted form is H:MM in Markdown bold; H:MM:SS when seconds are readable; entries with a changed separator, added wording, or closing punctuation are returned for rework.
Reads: **5:35**
